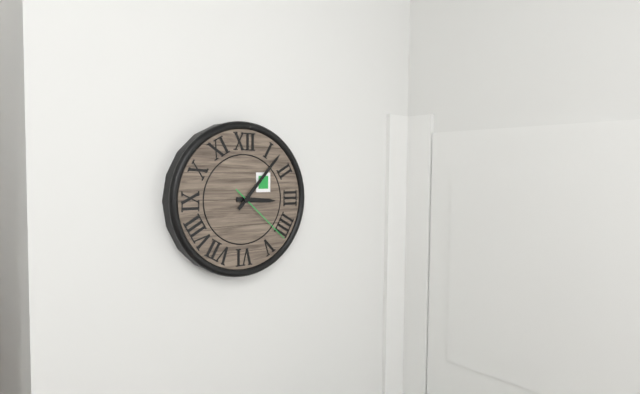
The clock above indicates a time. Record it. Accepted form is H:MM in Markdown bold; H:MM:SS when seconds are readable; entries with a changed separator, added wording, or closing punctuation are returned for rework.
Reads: **3:07:22**
